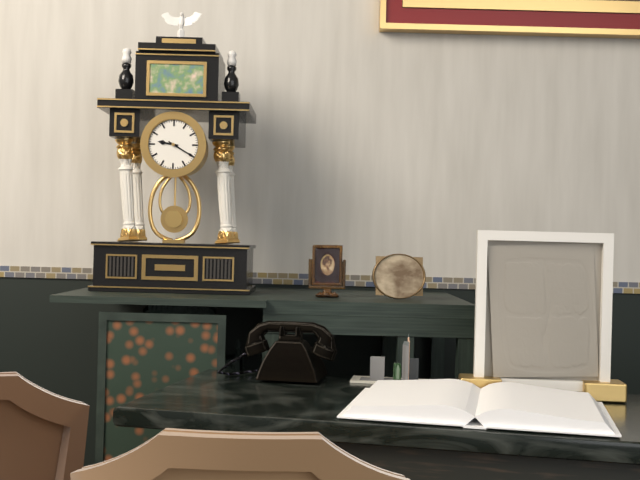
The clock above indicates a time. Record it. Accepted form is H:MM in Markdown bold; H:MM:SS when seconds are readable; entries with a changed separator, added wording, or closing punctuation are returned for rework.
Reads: **9:20**
